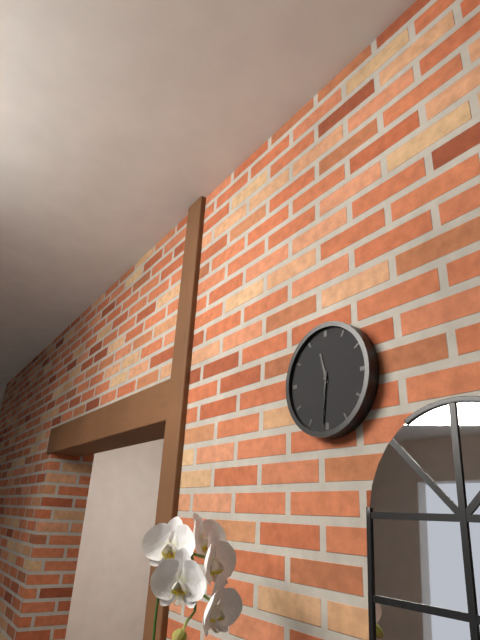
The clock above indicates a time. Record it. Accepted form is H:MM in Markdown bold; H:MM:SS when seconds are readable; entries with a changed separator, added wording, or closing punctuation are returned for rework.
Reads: **11:31**
